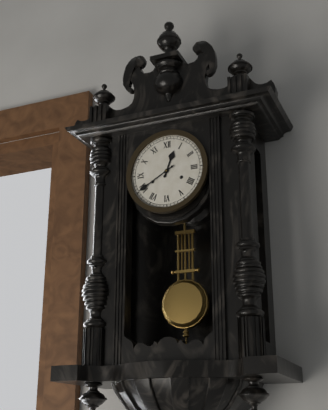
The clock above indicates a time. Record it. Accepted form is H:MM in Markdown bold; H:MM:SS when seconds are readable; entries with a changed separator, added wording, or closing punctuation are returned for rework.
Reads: **12:40**
